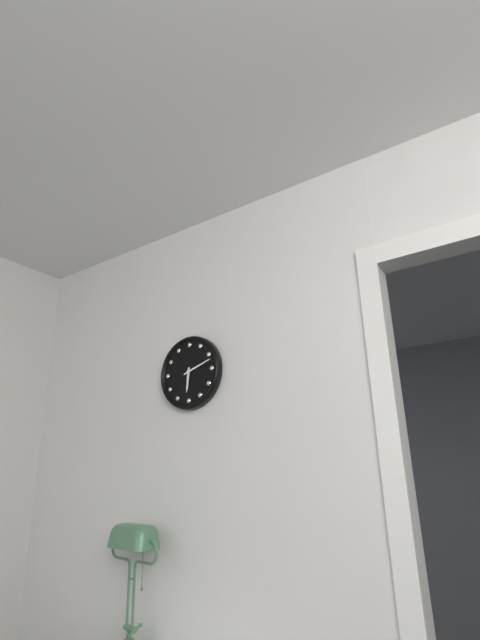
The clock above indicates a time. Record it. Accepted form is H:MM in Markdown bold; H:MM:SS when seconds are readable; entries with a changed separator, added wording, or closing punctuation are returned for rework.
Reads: **6:12**
